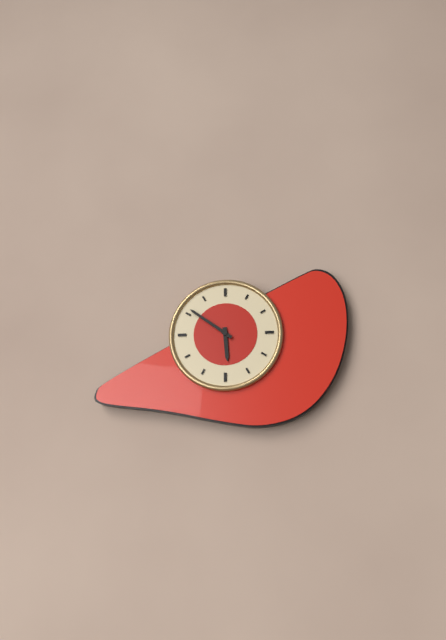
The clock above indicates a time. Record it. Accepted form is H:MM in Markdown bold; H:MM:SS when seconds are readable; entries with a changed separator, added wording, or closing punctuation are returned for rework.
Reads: **5:51**
